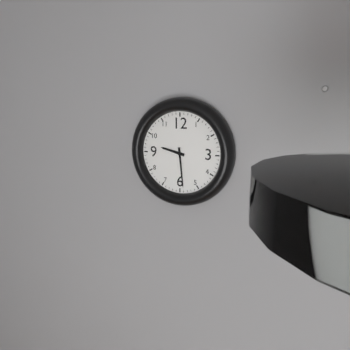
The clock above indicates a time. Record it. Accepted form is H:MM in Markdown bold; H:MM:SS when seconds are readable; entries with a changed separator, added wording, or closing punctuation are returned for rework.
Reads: **9:29**
